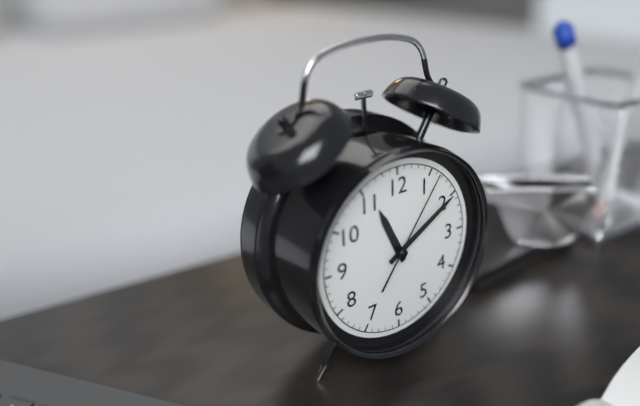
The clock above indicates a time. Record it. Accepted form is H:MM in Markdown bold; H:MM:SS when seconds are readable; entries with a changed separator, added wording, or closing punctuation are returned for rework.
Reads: **11:10:06**
